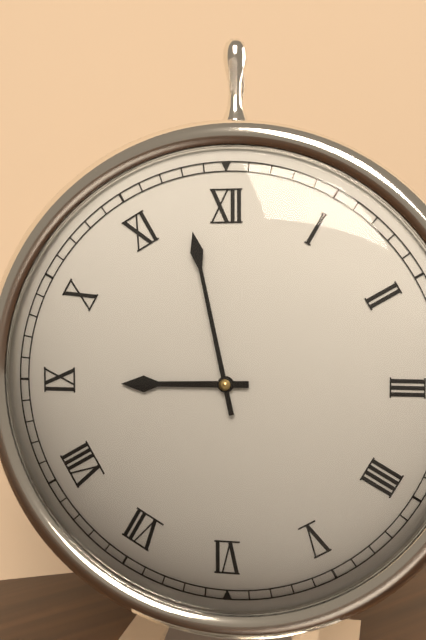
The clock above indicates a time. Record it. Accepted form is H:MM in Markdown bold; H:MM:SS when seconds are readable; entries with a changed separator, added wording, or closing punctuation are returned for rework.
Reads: **8:58**
